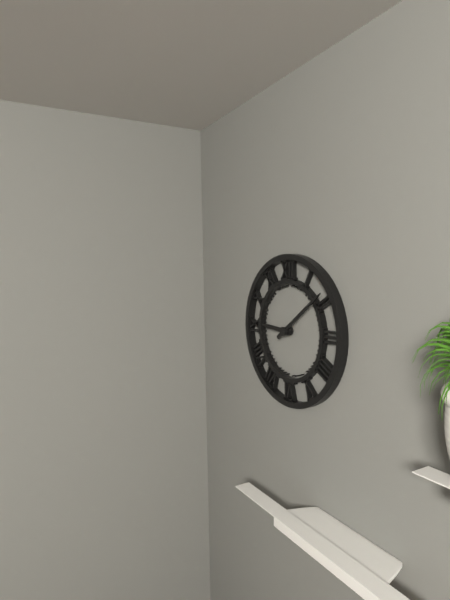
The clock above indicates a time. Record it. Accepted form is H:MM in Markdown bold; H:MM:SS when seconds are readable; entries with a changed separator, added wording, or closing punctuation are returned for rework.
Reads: **9:09**
